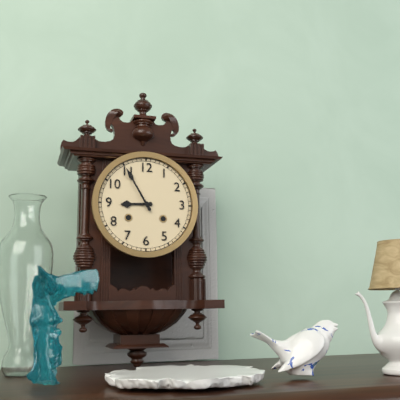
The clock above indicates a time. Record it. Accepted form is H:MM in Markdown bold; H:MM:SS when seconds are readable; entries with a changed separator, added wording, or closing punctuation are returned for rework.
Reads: **8:55**
